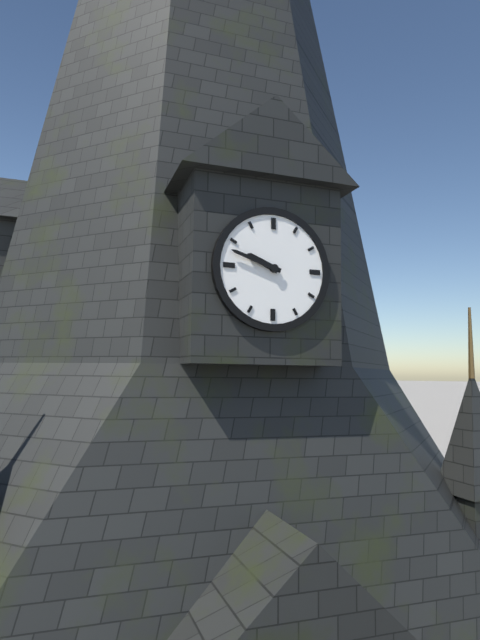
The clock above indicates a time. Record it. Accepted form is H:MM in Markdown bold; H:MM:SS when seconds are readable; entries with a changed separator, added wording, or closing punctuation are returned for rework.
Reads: **9:48**
